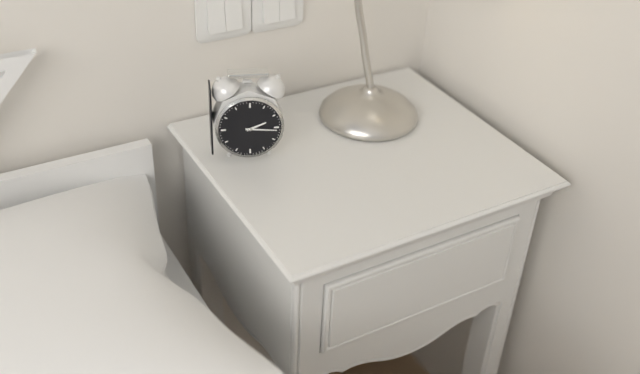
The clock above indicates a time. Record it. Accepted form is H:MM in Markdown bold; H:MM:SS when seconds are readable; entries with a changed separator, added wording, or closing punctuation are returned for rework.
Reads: **2:16**
